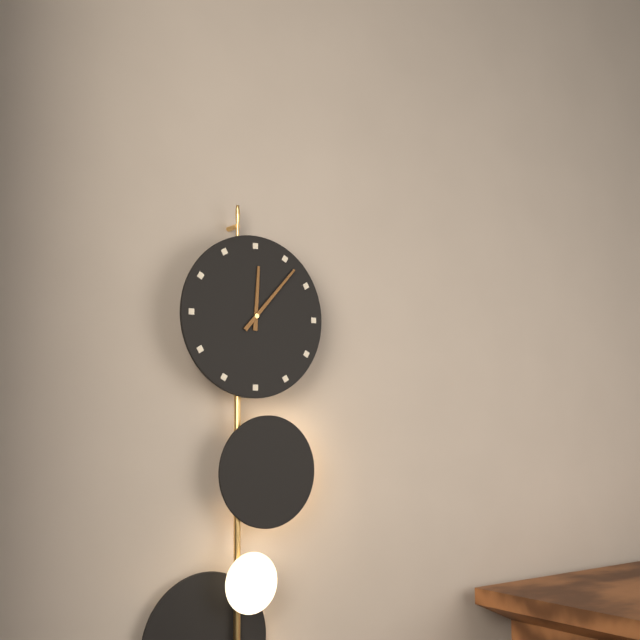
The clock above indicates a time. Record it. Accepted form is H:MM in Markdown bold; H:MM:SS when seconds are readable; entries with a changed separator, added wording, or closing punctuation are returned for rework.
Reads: **12:07**
